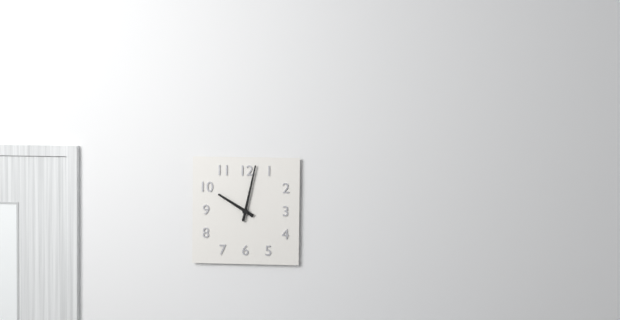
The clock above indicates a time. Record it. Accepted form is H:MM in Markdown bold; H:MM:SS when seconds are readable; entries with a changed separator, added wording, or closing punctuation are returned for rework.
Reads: **10:02**
